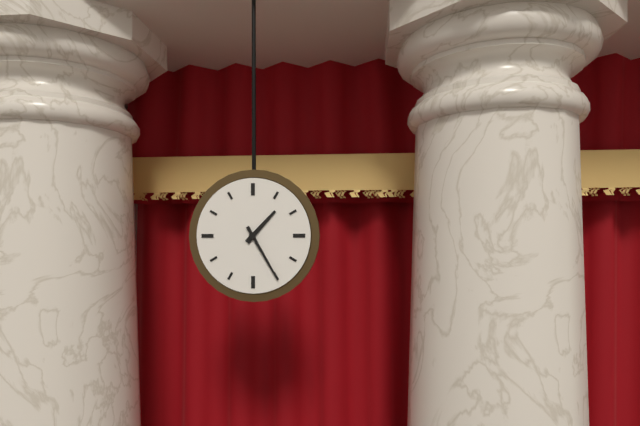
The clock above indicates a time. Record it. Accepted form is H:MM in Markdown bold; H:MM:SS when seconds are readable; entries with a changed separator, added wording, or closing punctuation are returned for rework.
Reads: **1:25**
